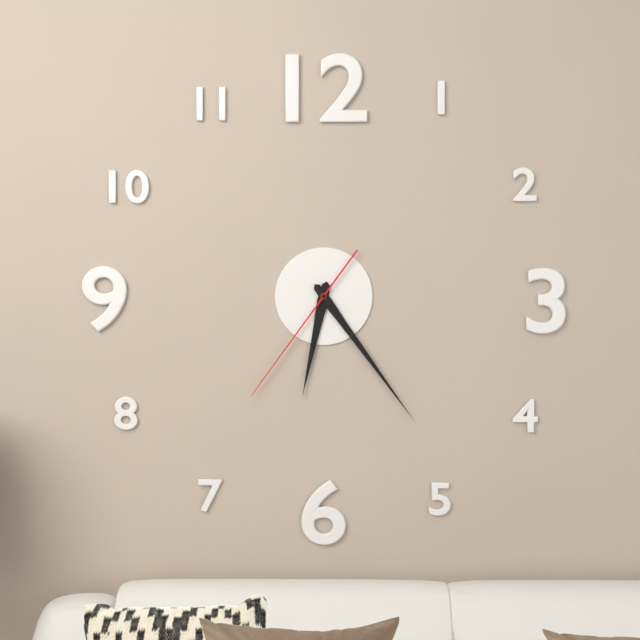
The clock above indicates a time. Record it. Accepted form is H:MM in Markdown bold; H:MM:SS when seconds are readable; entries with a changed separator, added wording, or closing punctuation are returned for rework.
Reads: **6:24:36**
